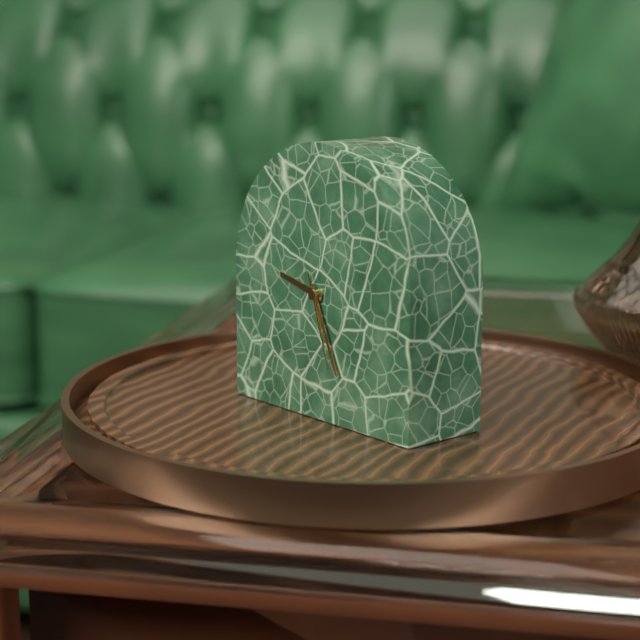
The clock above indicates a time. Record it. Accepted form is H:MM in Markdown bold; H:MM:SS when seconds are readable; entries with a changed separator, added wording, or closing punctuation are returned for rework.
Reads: **9:26:27**
